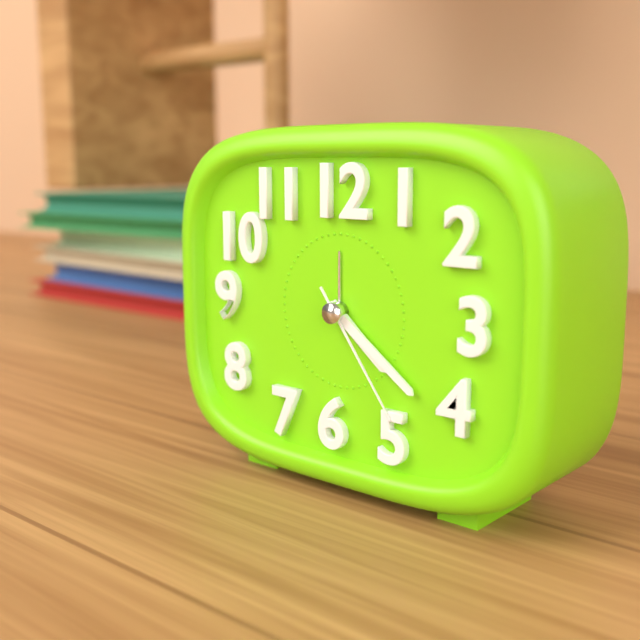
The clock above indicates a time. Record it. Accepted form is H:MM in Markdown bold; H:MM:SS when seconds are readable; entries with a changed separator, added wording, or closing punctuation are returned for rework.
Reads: **4:21:24**
